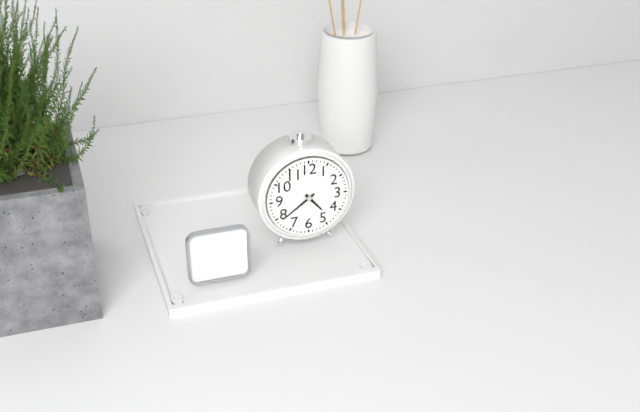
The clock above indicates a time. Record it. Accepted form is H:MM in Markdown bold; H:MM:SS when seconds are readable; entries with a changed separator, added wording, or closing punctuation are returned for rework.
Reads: **4:39**
